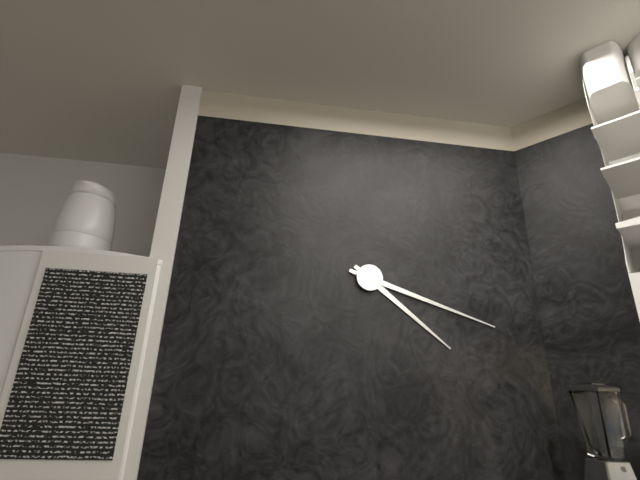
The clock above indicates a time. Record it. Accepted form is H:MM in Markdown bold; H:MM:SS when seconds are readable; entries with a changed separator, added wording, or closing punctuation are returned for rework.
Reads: **4:18**
